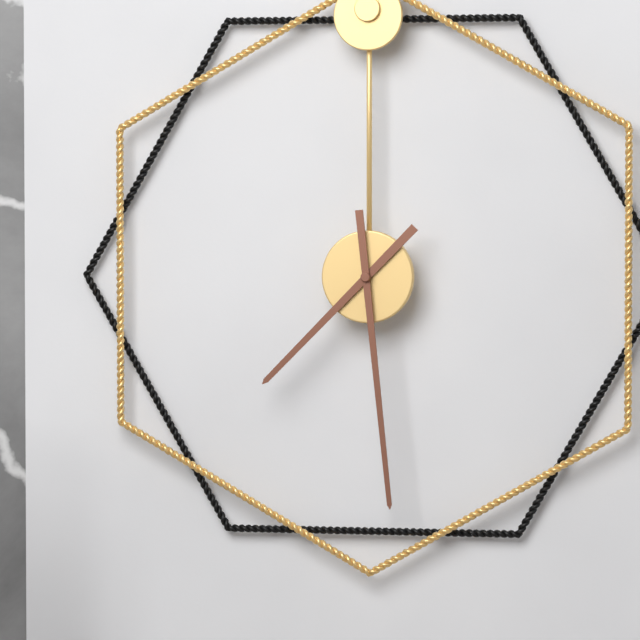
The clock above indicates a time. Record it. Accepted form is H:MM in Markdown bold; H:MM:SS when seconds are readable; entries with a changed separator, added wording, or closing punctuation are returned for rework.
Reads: **7:29**
